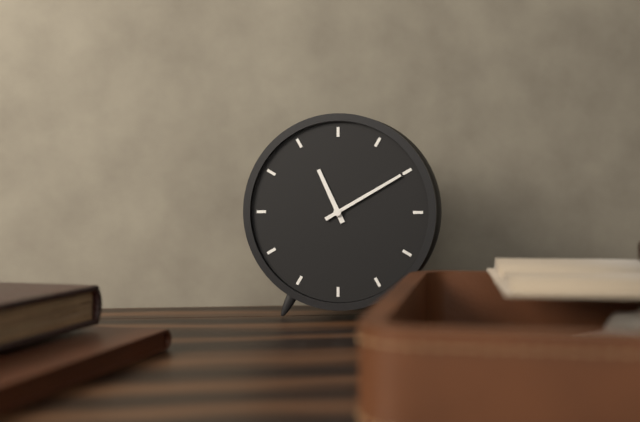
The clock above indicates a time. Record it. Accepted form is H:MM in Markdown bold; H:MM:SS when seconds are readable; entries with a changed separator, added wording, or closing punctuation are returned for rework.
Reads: **11:10**
